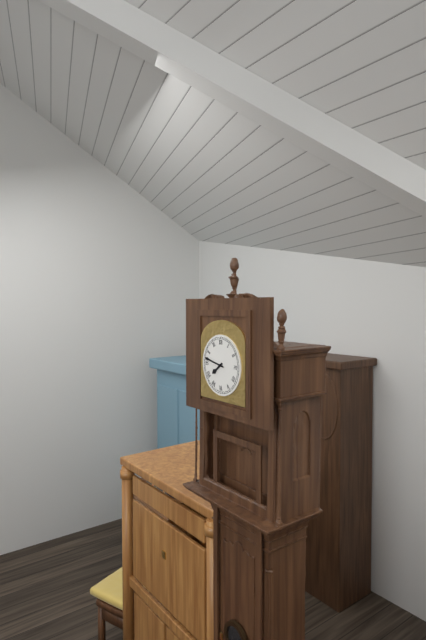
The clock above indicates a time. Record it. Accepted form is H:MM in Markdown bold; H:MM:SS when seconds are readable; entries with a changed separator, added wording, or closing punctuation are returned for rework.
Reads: **7:47**
